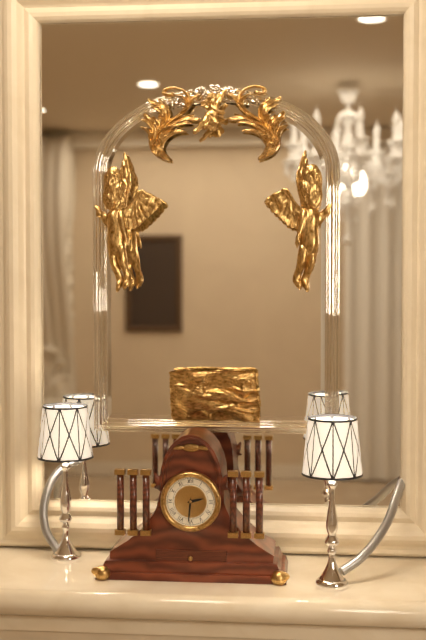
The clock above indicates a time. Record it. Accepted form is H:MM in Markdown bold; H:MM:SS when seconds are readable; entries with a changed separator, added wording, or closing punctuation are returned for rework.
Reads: **2:31**
